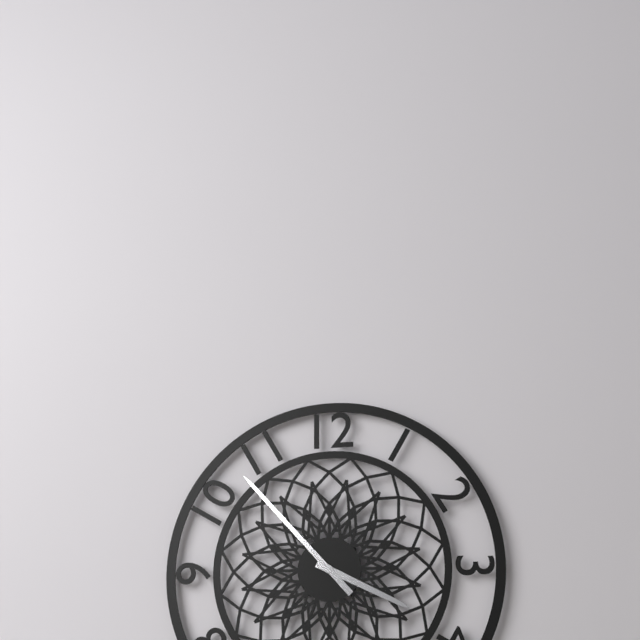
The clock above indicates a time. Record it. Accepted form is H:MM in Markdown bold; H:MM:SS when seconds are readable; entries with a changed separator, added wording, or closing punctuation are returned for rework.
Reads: **3:53**
